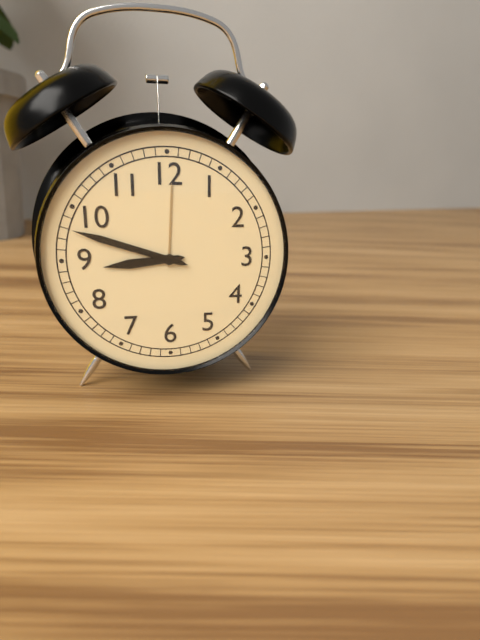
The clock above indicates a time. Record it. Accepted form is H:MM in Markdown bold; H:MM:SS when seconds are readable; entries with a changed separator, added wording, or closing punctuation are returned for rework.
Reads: **8:48**
